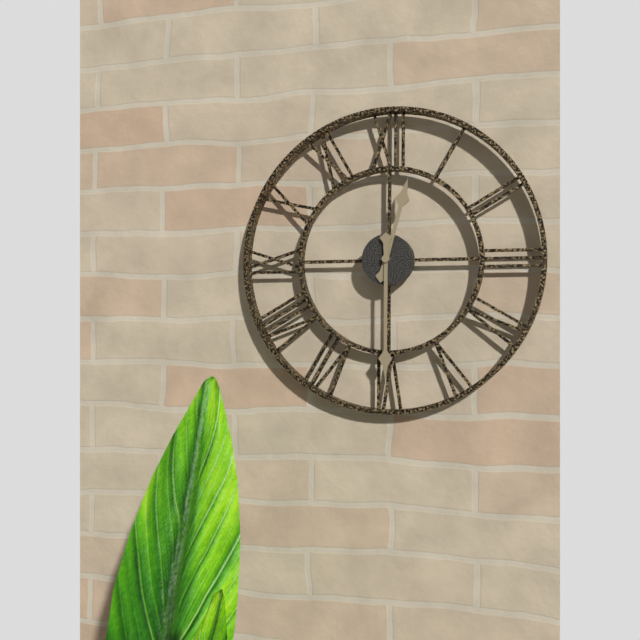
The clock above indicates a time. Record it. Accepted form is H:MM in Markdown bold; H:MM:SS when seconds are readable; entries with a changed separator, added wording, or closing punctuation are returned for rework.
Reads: **12:30**
